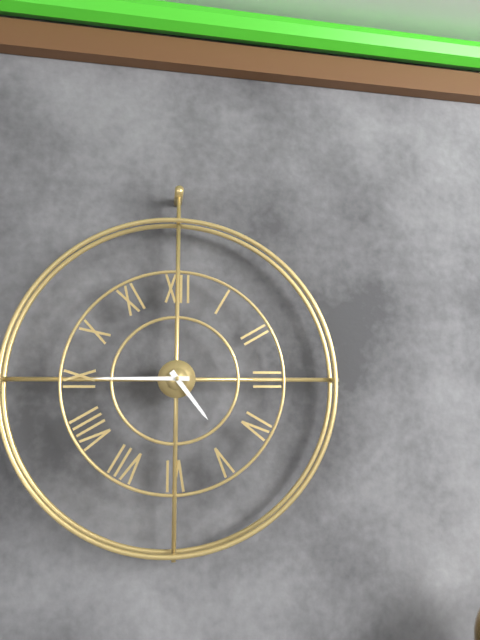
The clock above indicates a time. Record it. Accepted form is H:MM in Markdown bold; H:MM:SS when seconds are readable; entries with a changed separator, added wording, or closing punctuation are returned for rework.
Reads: **4:45**
